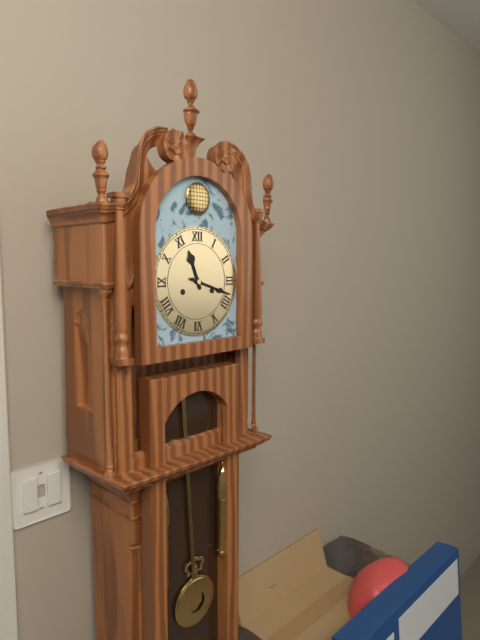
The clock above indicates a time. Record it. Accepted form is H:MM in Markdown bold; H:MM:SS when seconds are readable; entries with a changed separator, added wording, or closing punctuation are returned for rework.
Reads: **11:18**
